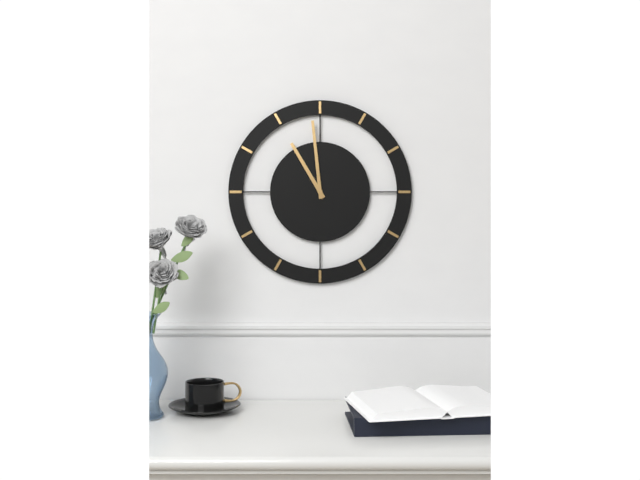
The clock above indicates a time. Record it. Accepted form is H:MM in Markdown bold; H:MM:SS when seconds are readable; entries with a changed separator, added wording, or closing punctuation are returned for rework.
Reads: **10:59**
